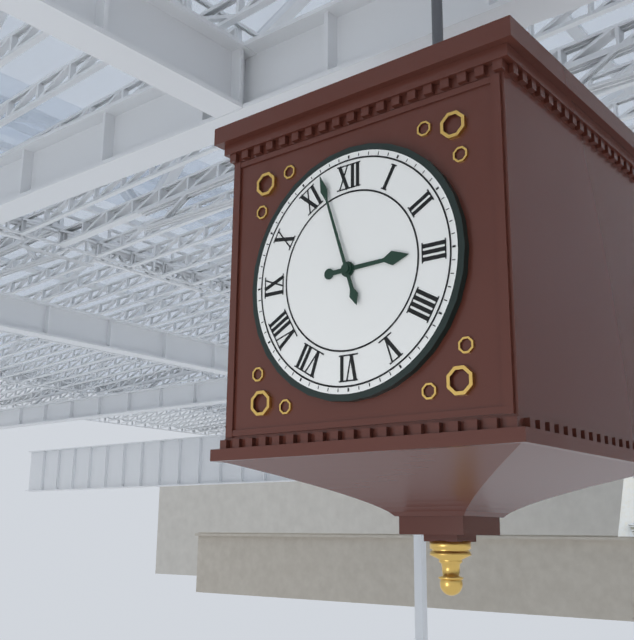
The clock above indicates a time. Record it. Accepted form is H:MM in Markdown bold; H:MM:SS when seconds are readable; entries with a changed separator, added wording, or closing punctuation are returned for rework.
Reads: **2:57**
